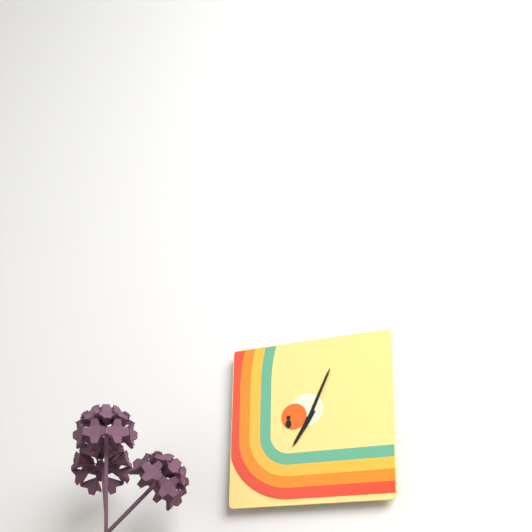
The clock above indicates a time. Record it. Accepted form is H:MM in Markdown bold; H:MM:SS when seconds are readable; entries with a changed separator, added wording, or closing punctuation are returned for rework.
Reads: **7:04**
